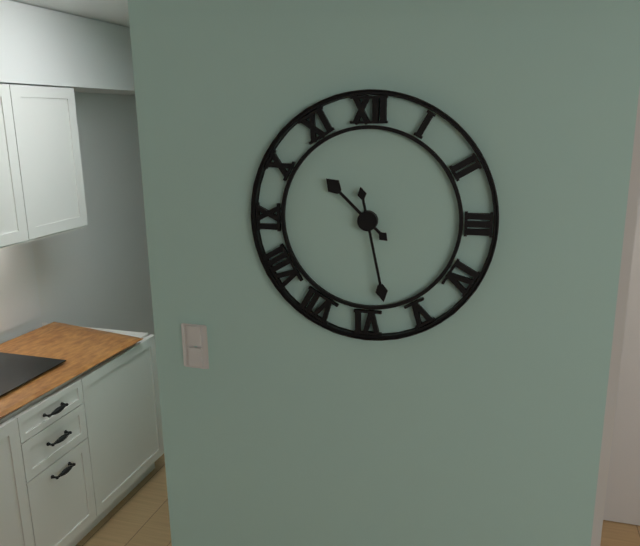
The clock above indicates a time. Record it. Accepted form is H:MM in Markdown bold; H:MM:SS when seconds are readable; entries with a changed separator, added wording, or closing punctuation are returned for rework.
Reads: **10:28**
